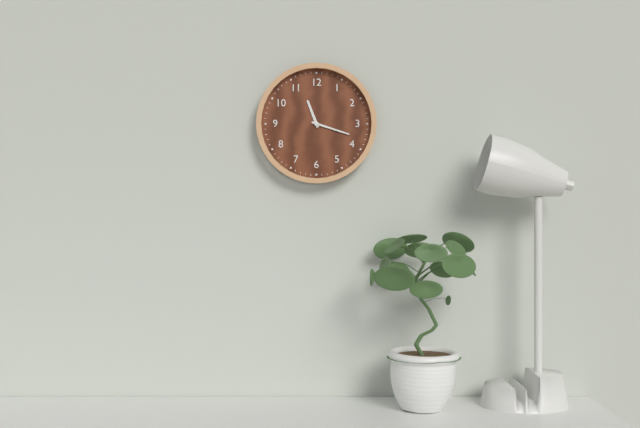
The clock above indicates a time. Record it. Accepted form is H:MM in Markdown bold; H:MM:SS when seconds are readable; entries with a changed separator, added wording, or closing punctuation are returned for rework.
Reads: **11:18**
